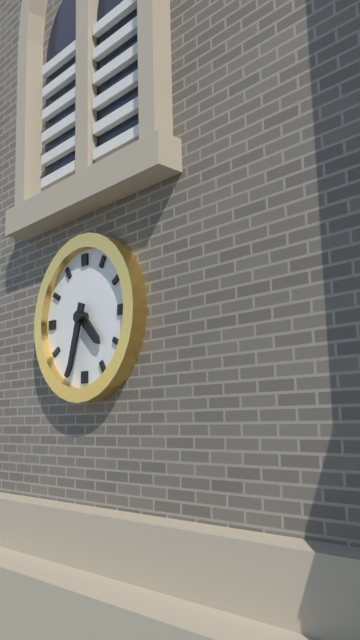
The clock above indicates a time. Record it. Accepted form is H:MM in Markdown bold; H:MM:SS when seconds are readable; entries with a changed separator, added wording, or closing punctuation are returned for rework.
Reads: **4:33**
